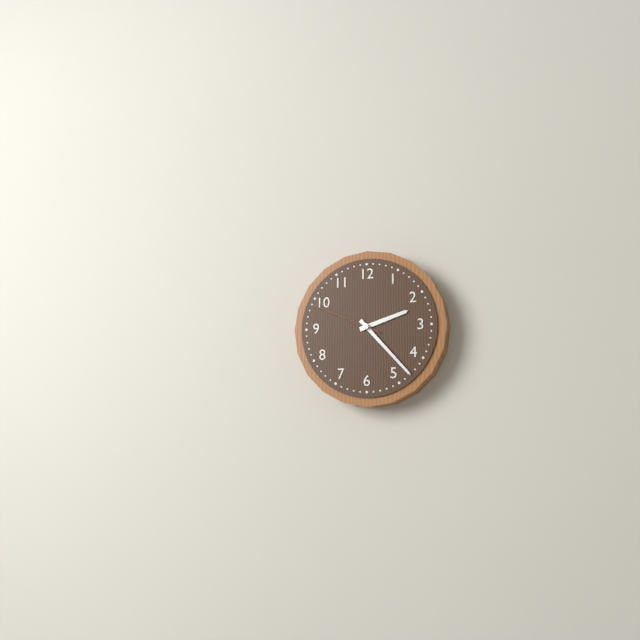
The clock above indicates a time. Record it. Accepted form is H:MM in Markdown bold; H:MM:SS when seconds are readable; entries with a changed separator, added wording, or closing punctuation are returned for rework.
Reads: **2:23:49**
